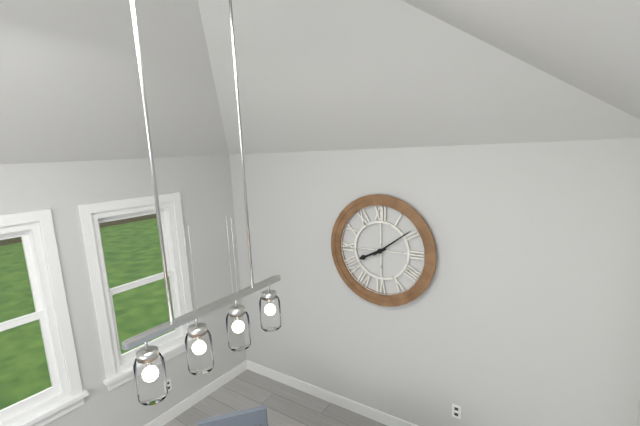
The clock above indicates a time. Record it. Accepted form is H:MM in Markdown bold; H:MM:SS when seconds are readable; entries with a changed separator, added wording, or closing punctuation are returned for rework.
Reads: **8:09**
